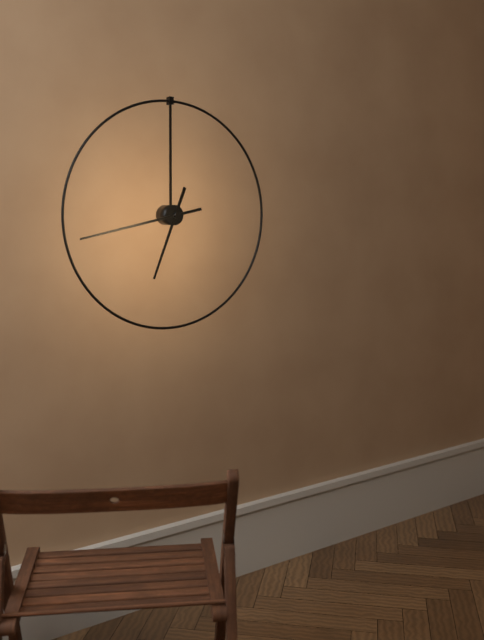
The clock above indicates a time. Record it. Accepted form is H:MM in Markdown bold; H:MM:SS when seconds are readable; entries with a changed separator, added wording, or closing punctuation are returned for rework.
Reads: **6:43**
